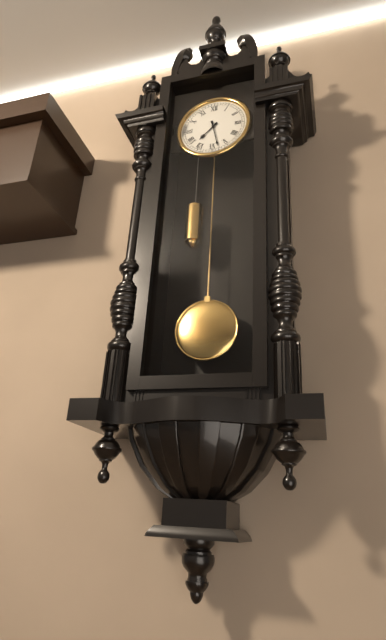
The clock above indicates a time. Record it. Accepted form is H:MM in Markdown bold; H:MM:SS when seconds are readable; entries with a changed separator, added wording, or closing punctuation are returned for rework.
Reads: **7:28**
